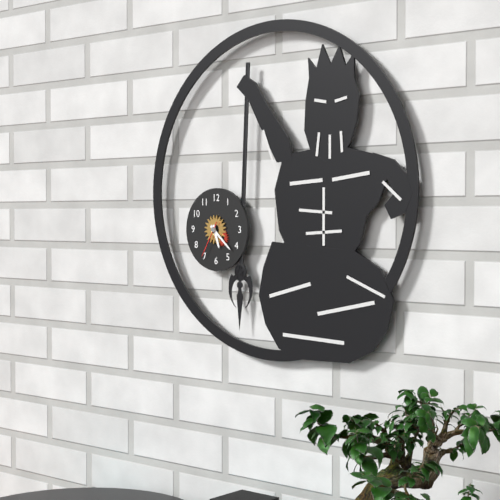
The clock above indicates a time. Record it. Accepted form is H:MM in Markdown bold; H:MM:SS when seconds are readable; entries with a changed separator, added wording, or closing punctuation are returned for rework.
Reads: **5:22**
